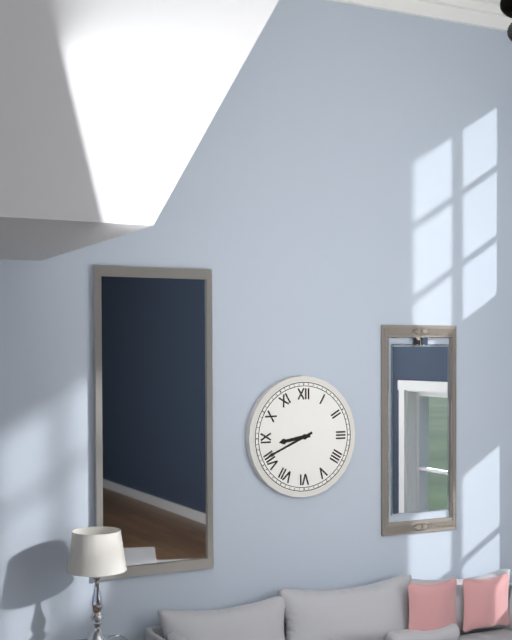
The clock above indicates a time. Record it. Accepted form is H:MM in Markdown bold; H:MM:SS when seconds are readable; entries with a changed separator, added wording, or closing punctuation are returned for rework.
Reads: **8:41**
